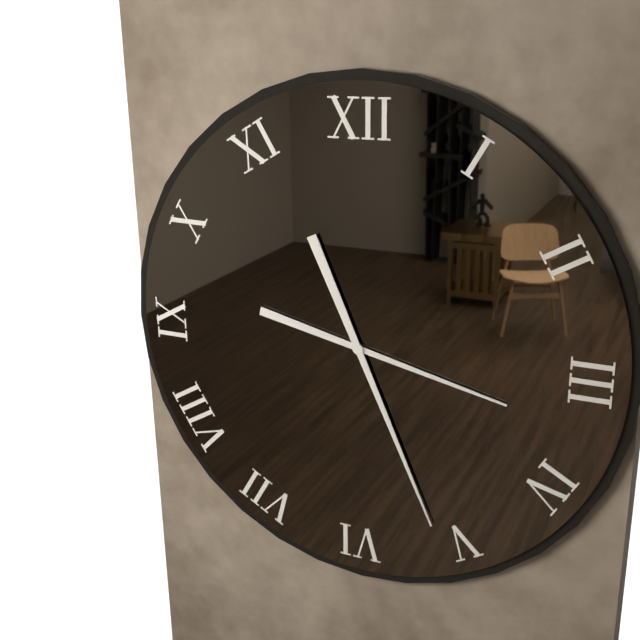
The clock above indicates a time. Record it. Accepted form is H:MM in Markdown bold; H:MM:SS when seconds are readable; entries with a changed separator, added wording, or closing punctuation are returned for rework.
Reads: **3:26**
